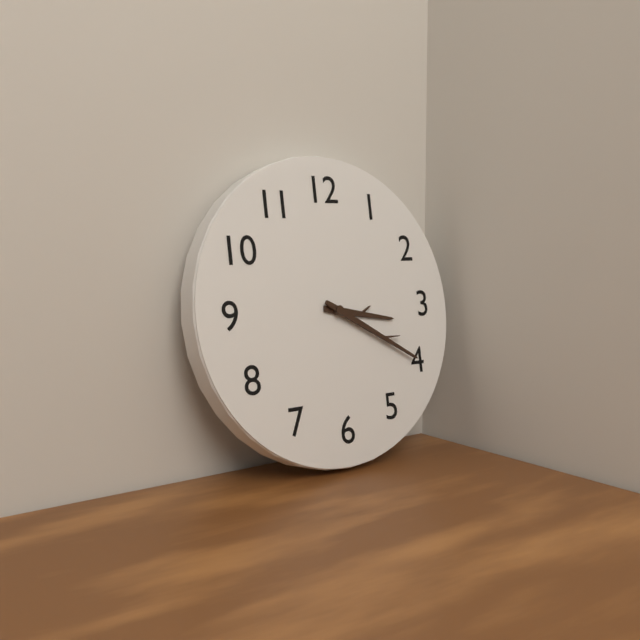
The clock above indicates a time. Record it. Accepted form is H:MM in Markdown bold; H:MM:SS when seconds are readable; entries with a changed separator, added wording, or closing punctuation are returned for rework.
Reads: **3:20**
